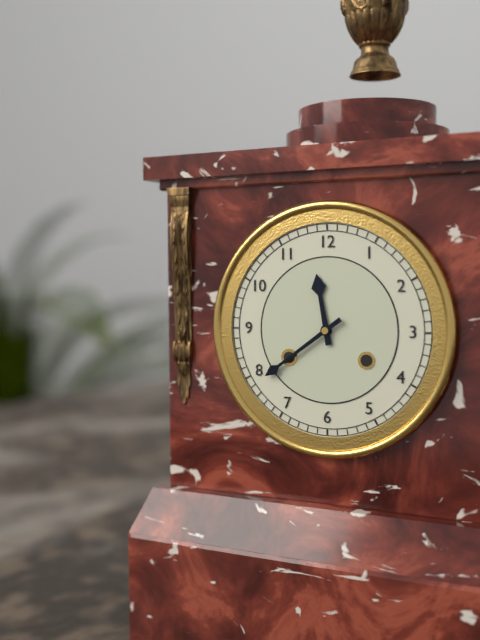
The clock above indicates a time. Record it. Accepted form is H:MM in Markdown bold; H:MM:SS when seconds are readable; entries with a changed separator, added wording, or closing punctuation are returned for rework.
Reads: **11:39**
